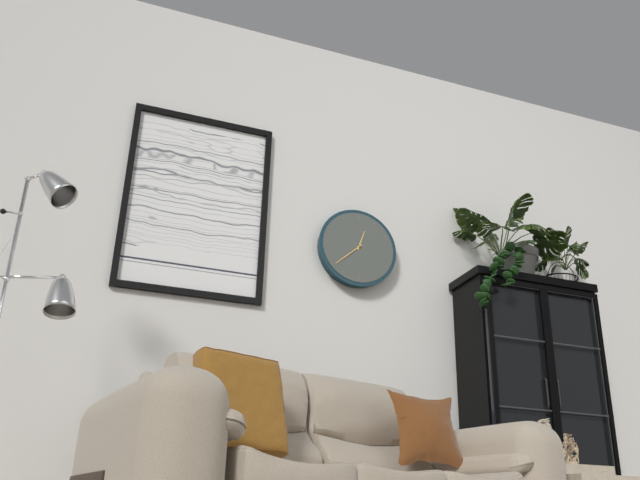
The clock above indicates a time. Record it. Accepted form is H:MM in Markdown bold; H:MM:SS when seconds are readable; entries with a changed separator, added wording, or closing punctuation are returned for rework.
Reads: **12:38**
